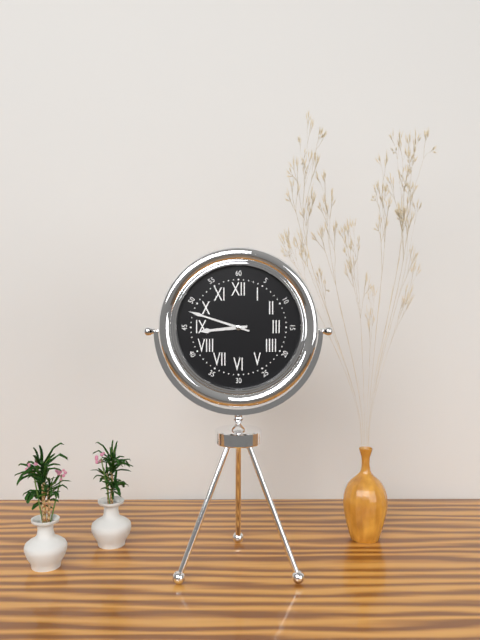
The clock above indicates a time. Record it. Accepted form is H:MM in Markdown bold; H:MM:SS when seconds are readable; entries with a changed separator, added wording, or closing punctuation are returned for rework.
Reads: **8:48**
